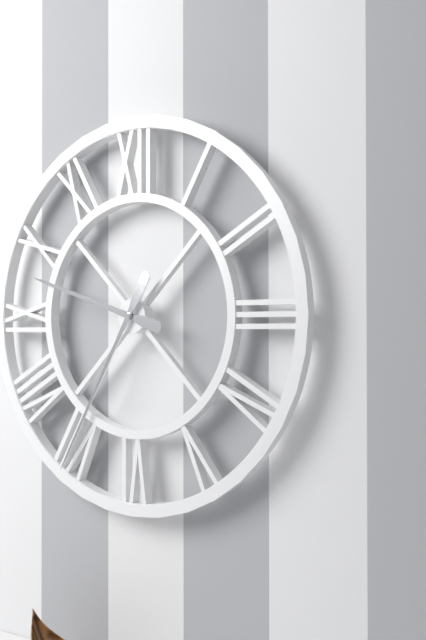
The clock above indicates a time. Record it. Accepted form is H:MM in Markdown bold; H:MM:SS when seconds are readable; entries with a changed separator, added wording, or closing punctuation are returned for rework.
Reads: **9:35**
